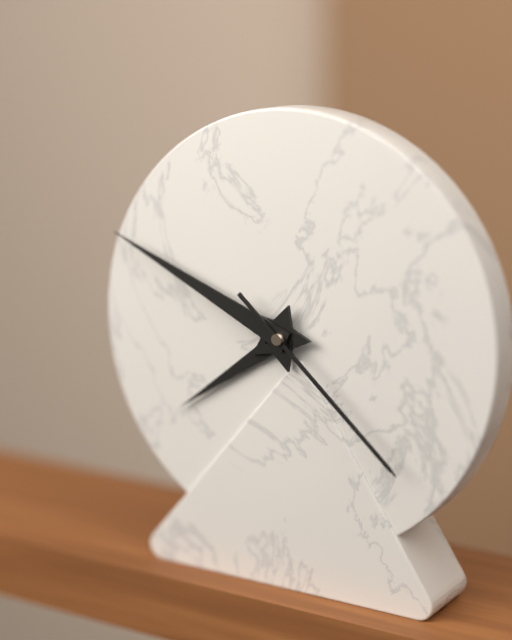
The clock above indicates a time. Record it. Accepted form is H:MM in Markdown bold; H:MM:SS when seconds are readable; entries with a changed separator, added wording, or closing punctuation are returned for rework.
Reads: **7:49:22**
